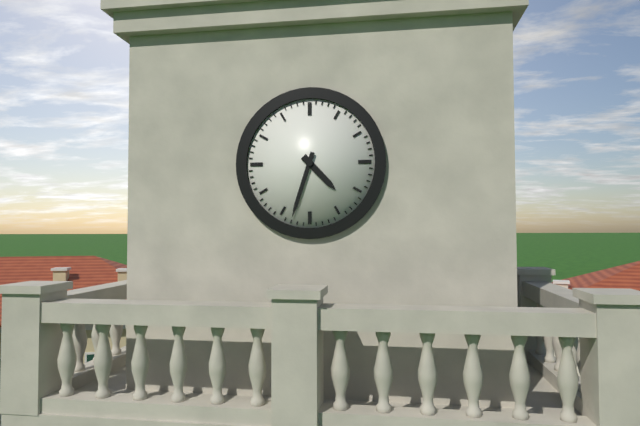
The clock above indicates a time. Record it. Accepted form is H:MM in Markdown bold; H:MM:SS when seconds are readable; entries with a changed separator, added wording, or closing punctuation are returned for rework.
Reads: **4:33**
